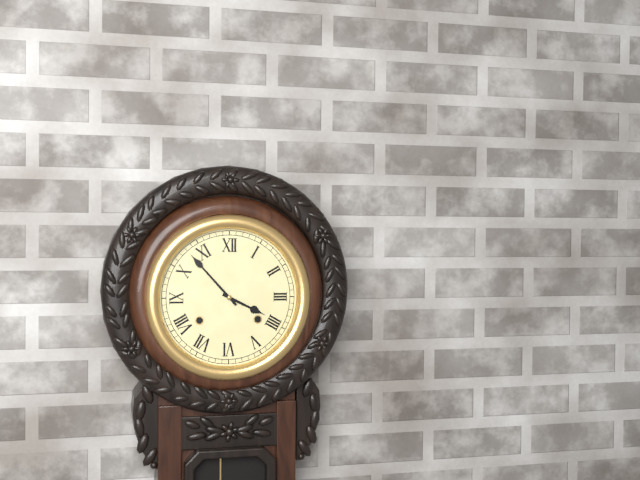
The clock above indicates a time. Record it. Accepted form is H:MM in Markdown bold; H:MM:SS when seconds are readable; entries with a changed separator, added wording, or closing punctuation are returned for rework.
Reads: **3:53**
